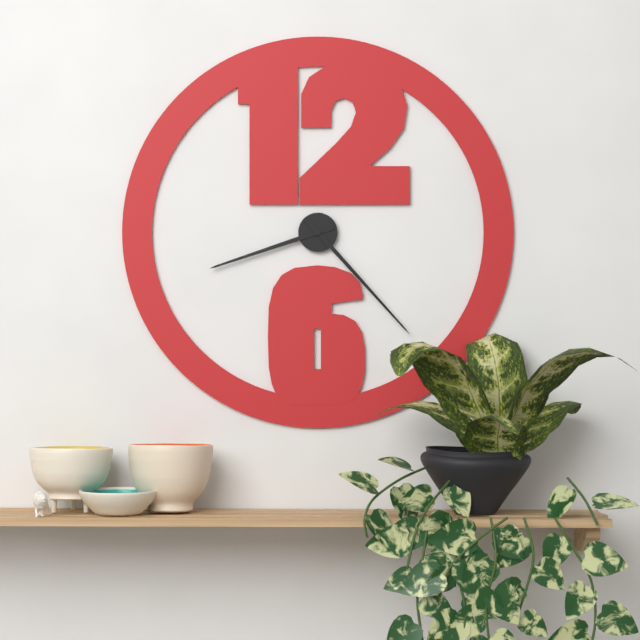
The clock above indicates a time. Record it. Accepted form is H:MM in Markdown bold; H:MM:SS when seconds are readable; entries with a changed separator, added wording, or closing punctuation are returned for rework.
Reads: **8:23**
